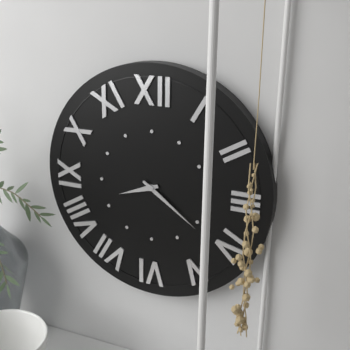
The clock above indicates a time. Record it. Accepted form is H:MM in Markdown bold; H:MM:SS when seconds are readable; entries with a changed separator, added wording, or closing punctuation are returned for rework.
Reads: **8:21**
